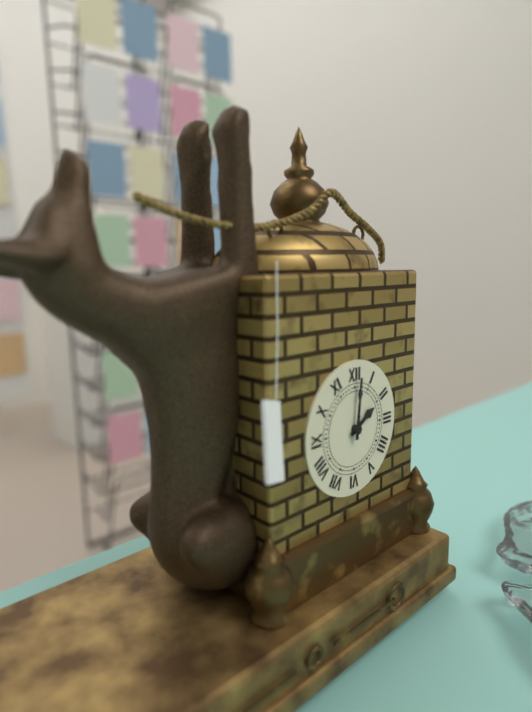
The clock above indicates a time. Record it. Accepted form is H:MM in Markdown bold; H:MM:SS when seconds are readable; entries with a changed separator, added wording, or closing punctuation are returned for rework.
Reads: **2:01**
